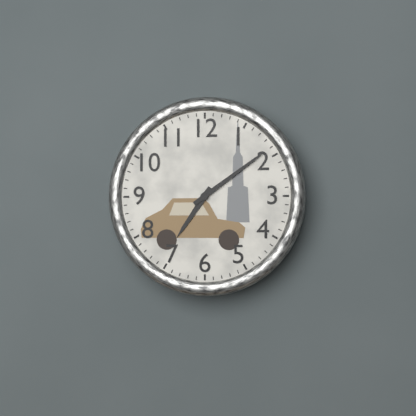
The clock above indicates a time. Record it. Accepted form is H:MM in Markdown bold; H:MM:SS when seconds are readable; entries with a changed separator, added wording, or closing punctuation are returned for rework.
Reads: **7:09**
